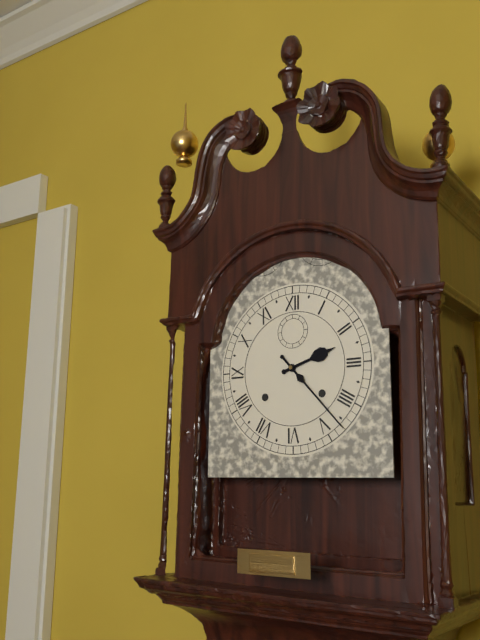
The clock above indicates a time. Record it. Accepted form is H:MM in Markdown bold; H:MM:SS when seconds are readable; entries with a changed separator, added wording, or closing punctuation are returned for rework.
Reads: **2:23**
